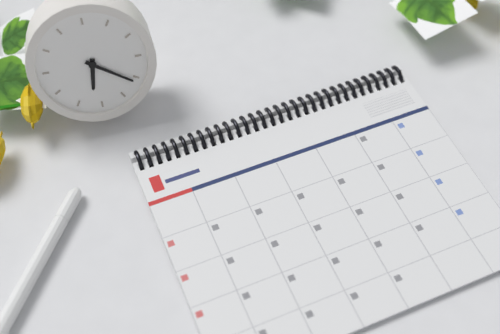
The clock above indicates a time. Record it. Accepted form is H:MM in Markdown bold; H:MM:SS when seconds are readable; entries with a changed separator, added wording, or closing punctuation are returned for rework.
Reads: **6:21**
